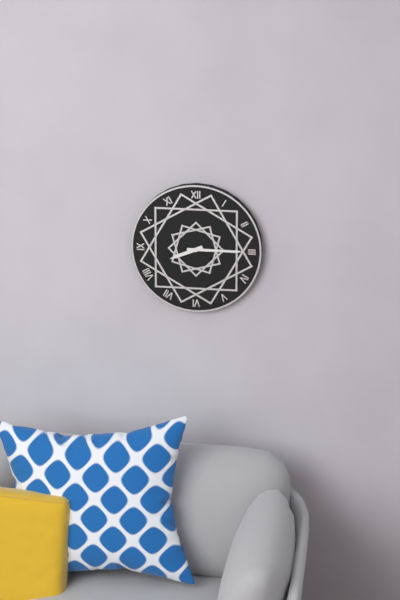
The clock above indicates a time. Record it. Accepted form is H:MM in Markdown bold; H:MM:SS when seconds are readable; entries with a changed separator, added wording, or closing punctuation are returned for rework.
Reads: **8:15**
